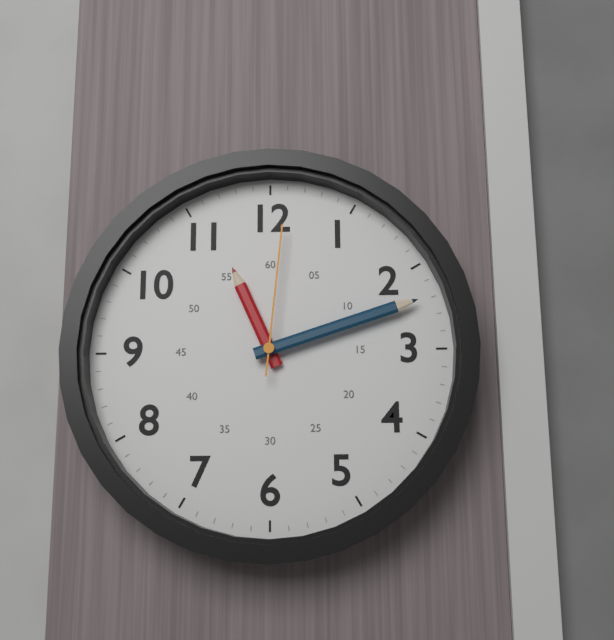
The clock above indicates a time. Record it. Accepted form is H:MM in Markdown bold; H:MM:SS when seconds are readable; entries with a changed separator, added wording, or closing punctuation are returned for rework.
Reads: **11:12:01**
